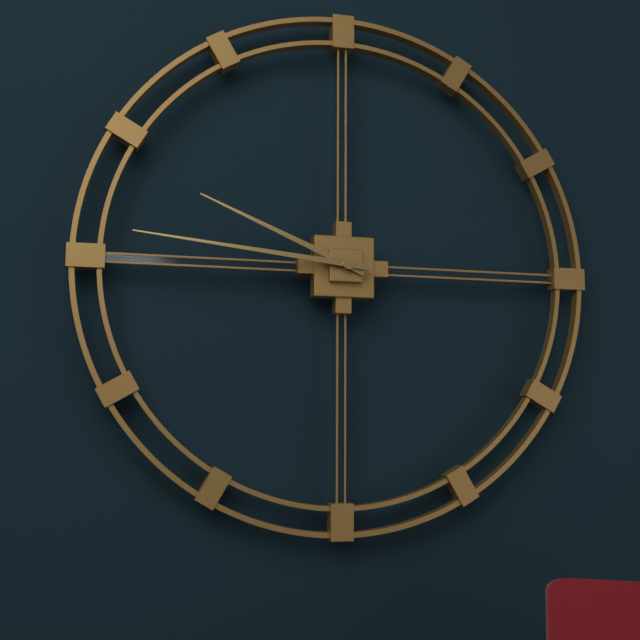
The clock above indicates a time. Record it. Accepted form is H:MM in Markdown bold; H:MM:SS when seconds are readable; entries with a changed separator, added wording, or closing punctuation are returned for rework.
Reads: **9:46**
